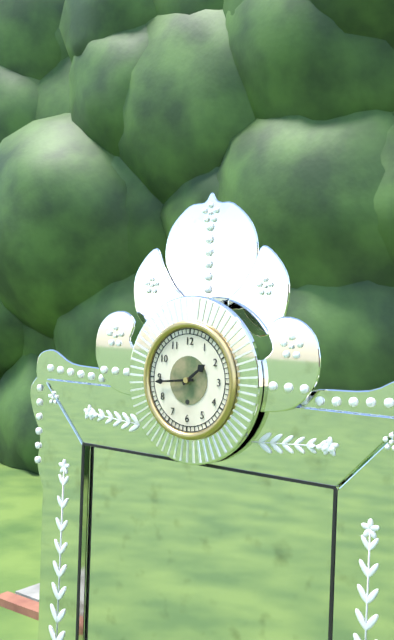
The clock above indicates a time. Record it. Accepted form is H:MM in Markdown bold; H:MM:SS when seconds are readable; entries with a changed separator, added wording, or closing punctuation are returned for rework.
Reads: **1:44**
